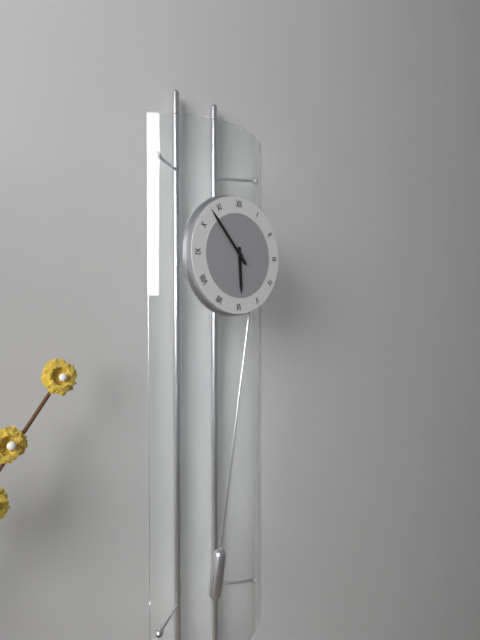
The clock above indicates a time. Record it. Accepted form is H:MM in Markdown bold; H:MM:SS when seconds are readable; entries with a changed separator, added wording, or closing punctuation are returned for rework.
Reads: **5:53**
